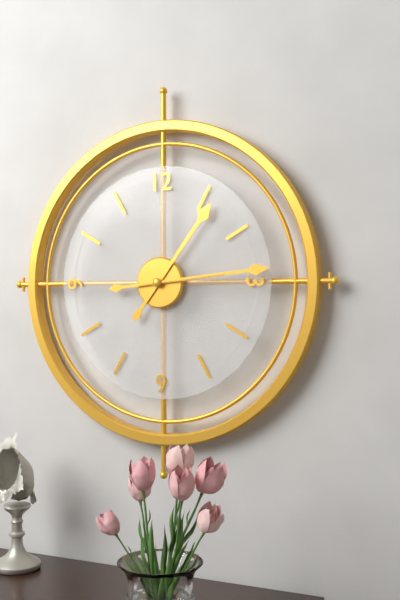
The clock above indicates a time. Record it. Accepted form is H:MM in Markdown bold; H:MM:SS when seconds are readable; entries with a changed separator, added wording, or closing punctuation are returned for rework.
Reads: **1:14:14**
